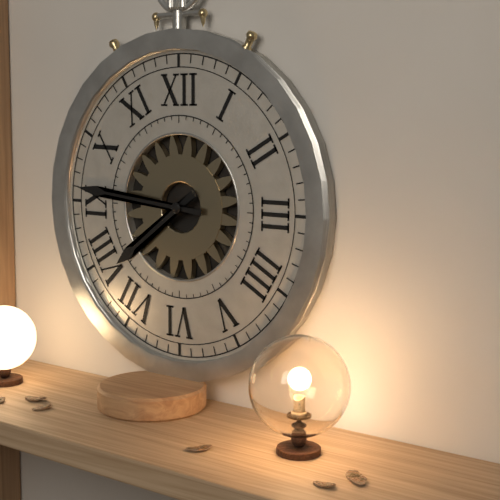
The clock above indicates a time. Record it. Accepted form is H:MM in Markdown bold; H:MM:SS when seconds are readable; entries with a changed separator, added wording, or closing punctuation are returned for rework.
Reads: **7:46**
